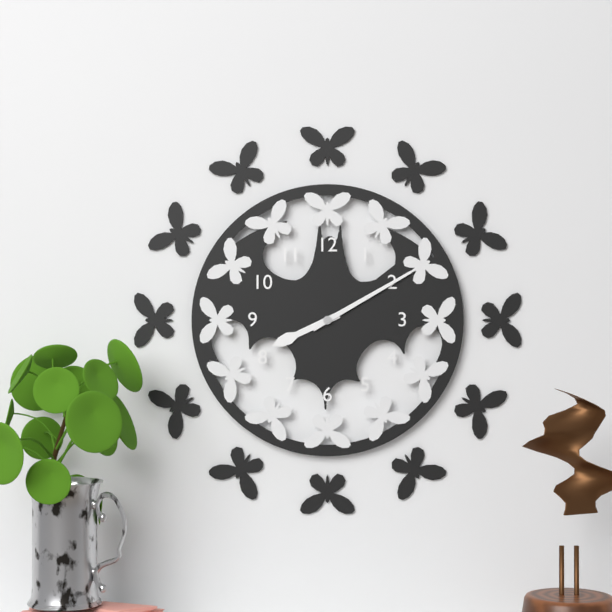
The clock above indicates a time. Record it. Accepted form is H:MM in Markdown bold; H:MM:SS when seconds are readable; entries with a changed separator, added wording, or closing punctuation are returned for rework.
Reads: **8:10**
